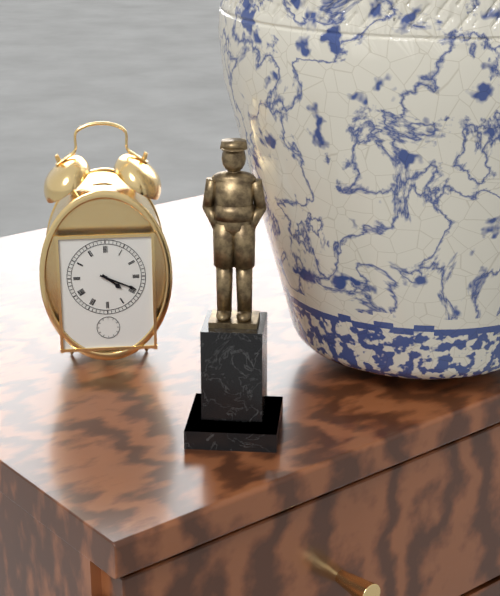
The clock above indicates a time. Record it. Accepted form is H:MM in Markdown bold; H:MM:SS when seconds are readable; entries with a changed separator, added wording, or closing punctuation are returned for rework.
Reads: **4:19**
